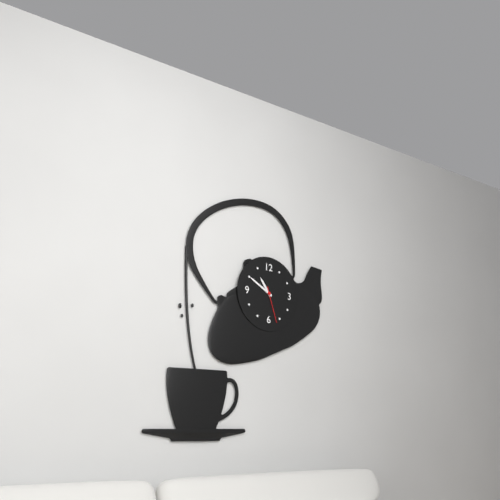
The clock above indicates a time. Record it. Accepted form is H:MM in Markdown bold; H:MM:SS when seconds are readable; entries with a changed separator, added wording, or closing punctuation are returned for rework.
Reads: **10:50**
